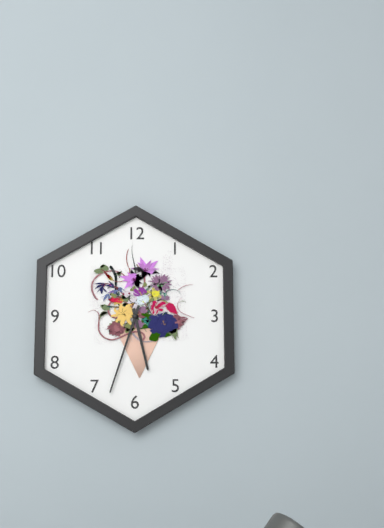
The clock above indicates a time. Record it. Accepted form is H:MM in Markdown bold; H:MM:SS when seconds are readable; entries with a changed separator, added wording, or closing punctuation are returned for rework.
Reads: **5:33**
